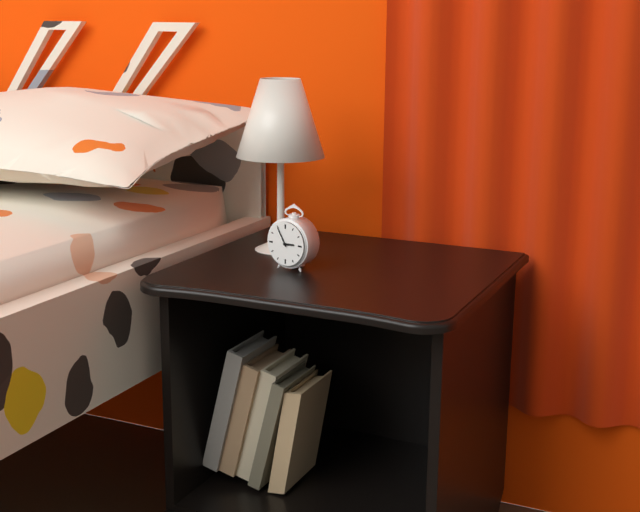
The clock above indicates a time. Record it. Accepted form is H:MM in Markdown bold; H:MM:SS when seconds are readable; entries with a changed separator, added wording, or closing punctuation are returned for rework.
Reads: **2:55**
